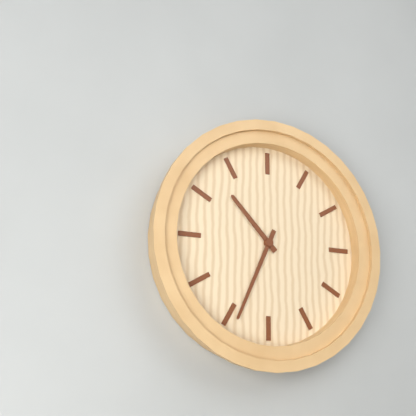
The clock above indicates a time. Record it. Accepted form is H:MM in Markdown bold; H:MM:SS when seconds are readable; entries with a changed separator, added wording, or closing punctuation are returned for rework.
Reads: **10:34**
